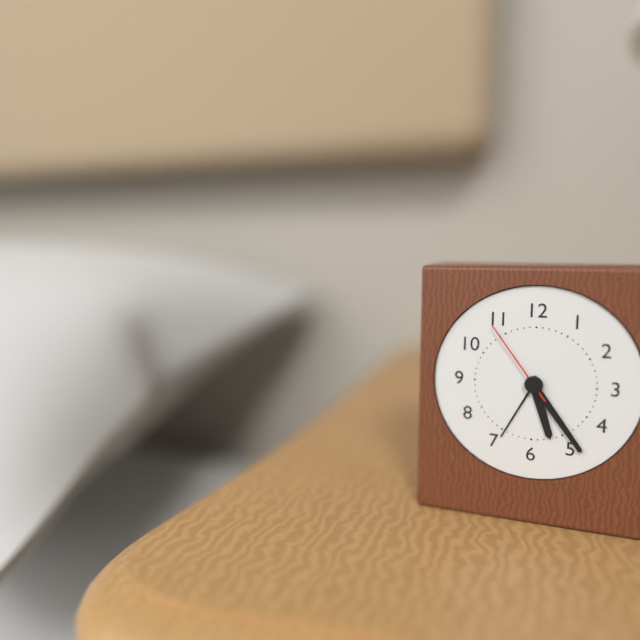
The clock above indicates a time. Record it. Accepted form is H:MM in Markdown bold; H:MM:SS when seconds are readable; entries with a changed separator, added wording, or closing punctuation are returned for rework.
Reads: **5:24:54**
